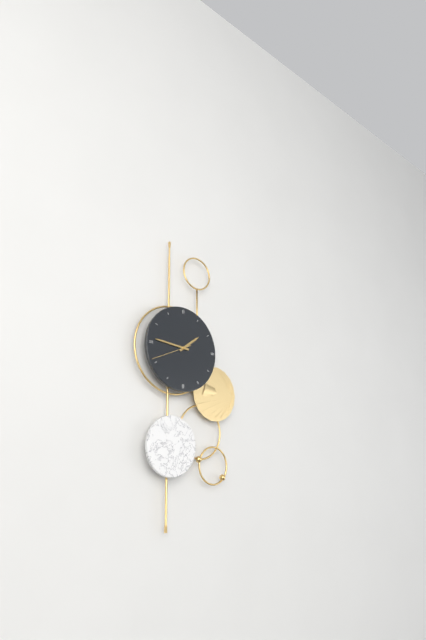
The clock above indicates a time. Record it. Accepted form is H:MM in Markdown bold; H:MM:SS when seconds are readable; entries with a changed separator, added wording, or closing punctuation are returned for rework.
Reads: **1:46**
